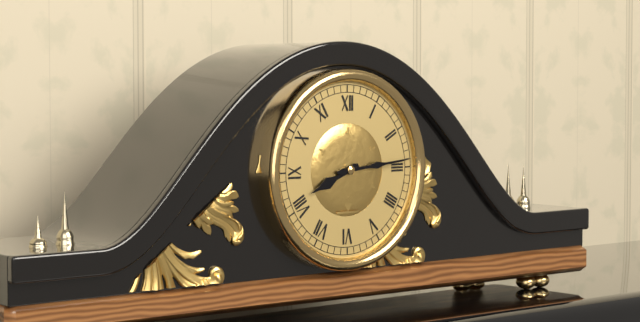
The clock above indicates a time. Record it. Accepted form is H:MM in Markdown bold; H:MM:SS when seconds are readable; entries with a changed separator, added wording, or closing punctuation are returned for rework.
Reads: **8:14**
